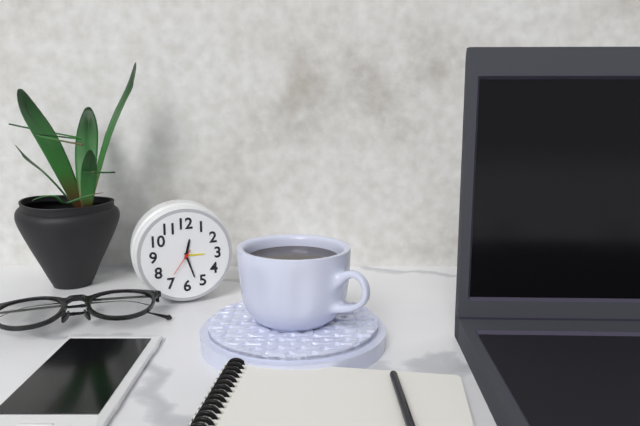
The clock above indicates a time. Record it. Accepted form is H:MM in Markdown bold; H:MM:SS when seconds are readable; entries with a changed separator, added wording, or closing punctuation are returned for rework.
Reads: **12:27**
